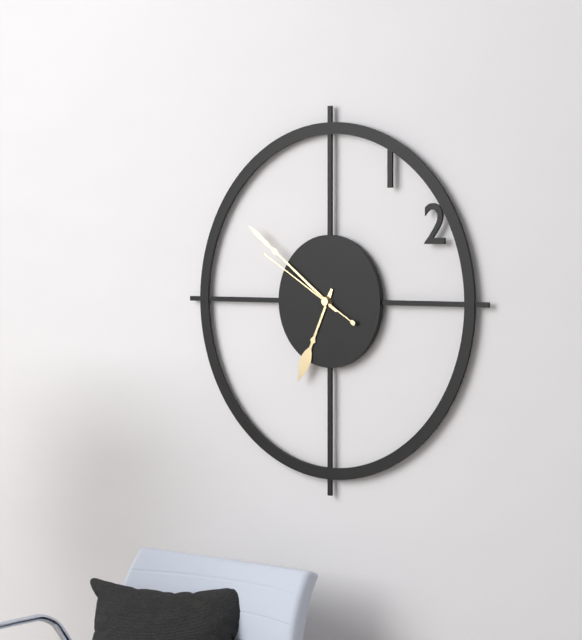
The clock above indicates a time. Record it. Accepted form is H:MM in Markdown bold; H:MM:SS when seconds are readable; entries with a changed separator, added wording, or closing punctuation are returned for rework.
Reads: **6:51:50**
